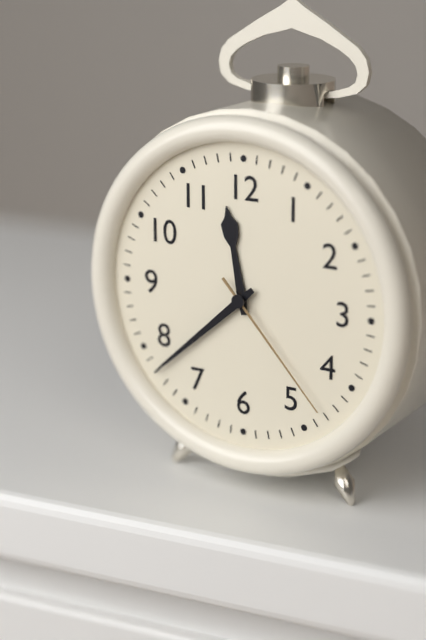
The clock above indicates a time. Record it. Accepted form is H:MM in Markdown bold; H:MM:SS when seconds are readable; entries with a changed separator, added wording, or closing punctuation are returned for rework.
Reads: **11:38:23**
